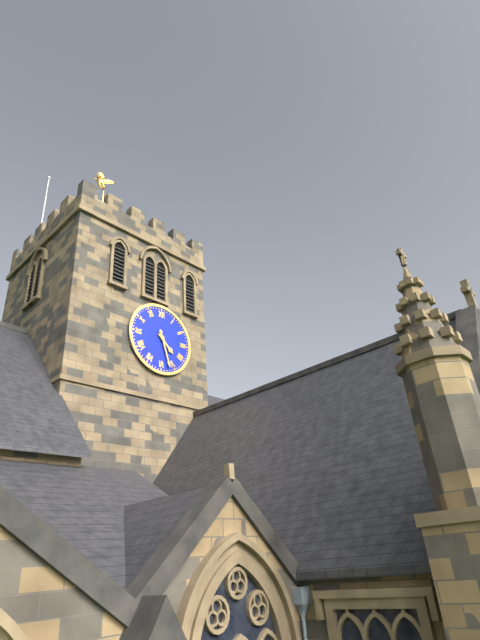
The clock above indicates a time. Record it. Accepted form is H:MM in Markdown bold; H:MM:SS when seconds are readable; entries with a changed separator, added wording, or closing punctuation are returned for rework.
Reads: **4:27**
